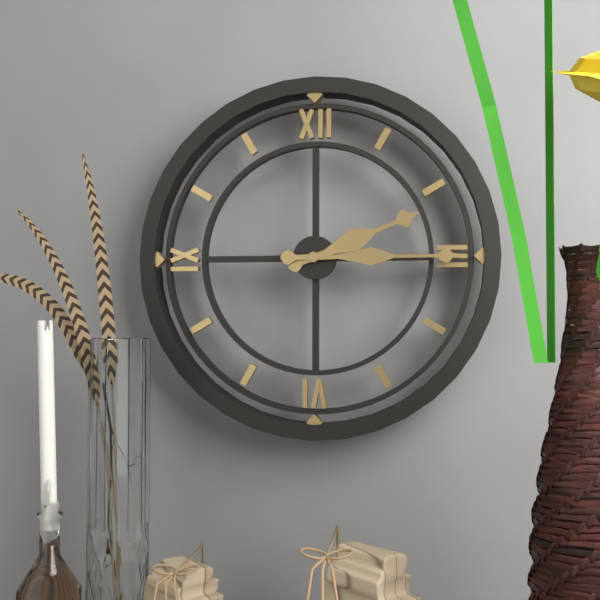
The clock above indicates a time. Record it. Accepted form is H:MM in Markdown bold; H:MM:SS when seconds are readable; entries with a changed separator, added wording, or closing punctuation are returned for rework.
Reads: **2:15**
